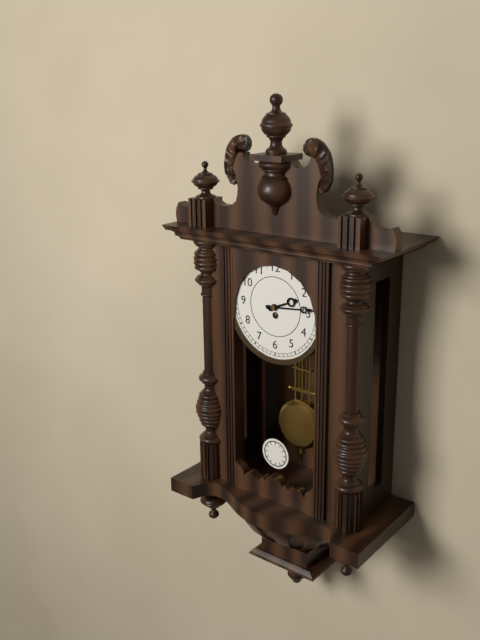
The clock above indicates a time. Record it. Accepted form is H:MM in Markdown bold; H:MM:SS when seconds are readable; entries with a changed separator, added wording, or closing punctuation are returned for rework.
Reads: **2:14**
